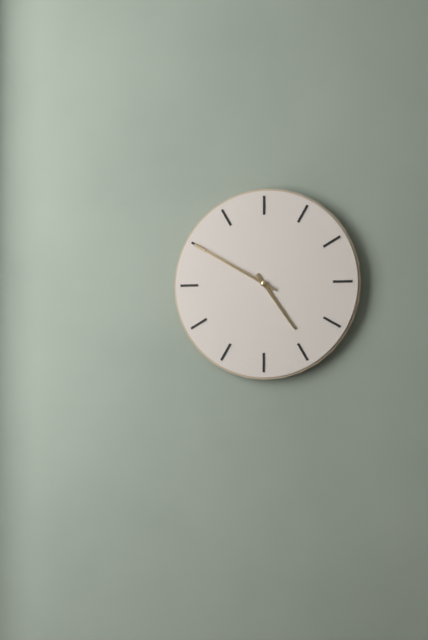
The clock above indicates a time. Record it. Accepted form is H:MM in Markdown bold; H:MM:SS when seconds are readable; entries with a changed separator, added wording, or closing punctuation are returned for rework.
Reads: **4:50**
